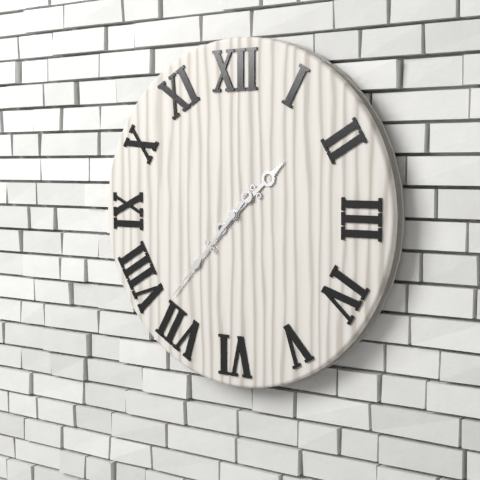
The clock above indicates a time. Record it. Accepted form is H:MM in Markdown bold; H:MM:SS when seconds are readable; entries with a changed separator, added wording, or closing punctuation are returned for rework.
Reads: **1:37**
